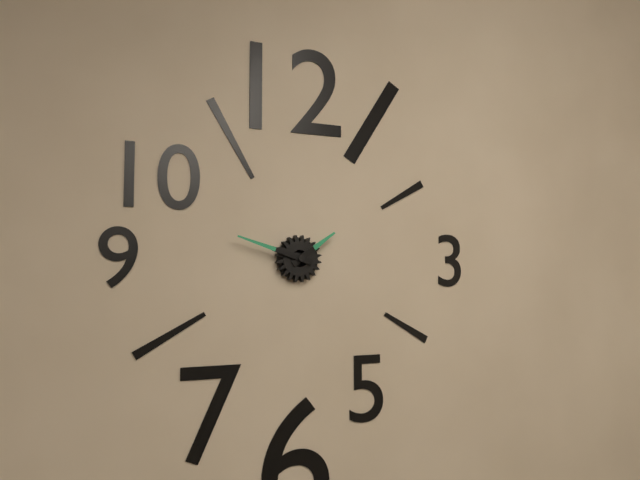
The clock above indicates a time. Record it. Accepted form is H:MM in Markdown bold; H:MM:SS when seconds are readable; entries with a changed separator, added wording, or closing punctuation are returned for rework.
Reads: **1:48**
